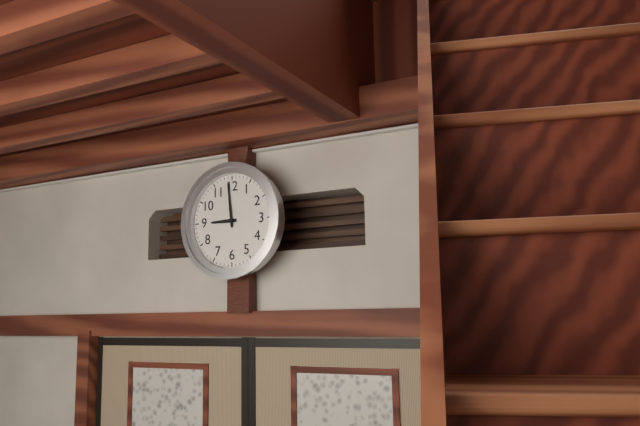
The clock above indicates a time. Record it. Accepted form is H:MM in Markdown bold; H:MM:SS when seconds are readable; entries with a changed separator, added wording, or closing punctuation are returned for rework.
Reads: **8:59**
